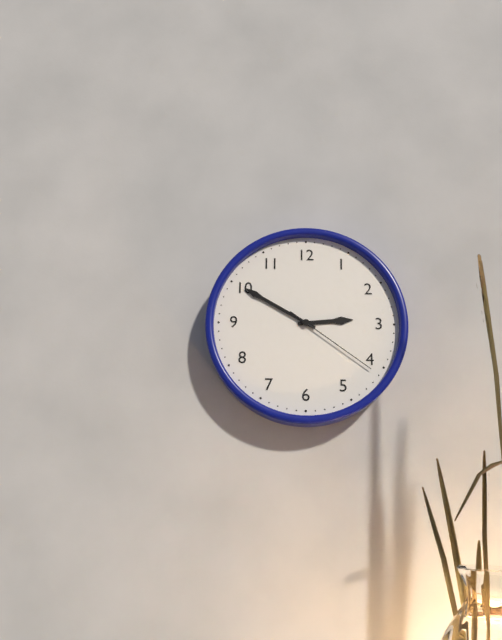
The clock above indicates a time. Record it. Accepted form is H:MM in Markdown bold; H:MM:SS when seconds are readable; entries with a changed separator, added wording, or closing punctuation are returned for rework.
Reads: **2:50:21**
